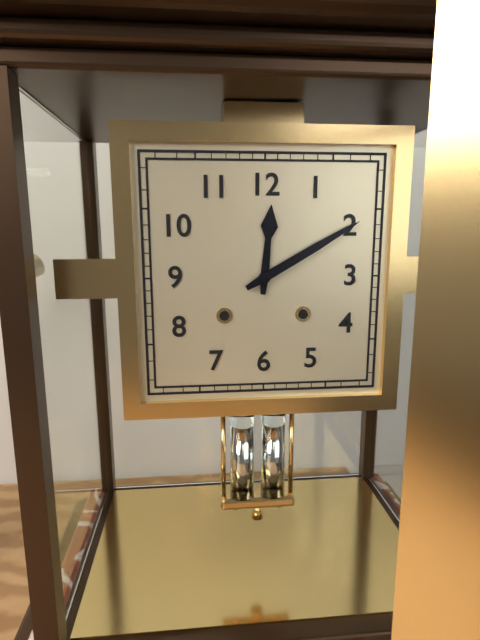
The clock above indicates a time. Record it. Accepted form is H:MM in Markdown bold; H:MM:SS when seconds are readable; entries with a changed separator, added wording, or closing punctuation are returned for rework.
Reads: **12:10**
